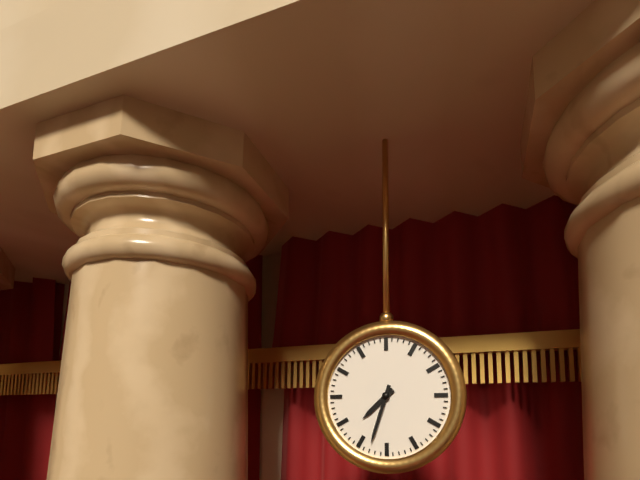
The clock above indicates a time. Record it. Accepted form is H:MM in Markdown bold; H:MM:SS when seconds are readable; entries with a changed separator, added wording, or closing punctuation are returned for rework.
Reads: **7:33**
